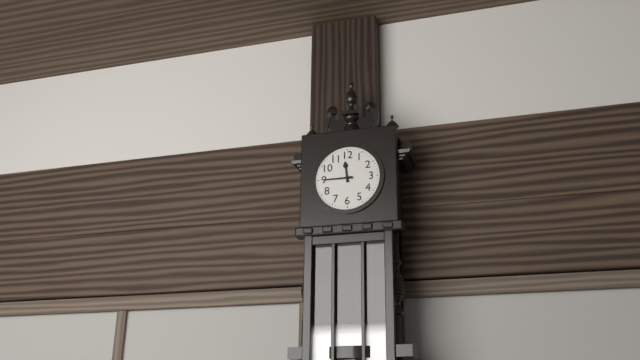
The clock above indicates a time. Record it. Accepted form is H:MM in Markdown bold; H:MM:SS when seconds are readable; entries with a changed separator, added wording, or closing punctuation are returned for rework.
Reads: **11:45**
